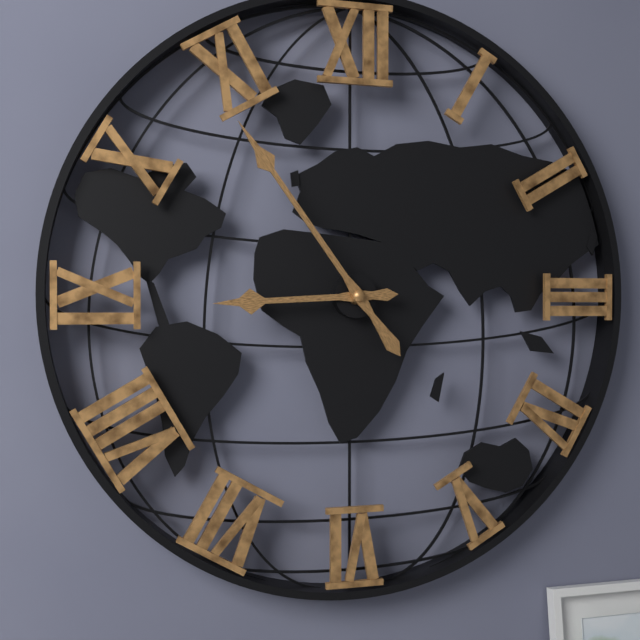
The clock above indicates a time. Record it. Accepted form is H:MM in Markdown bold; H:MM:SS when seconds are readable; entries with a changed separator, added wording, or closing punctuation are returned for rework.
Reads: **8:54**
